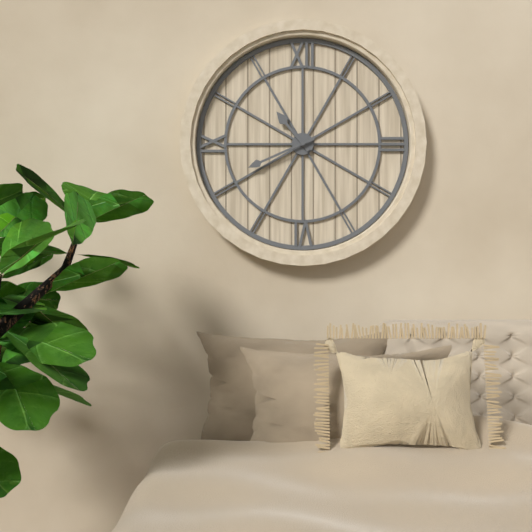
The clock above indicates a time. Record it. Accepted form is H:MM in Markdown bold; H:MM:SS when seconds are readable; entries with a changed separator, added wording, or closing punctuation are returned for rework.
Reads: **10:41**
